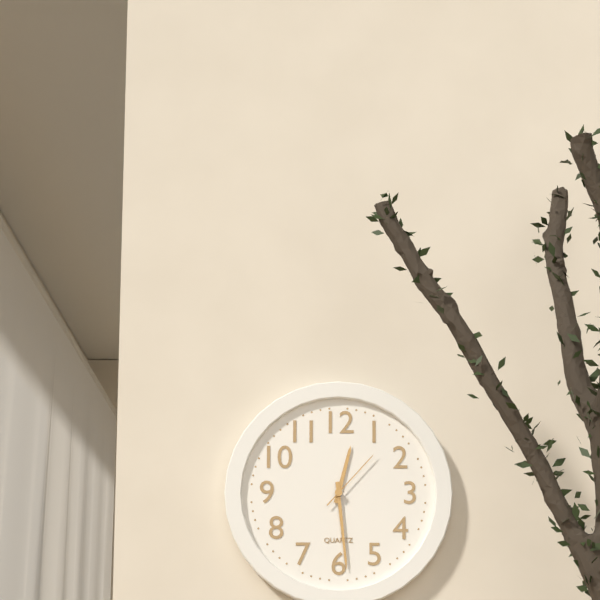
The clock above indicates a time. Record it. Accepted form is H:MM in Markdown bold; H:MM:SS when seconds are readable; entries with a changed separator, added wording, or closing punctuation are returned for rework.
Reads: **12:29:07**
